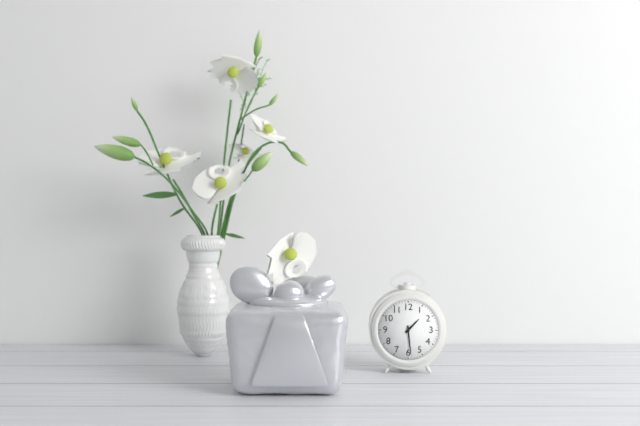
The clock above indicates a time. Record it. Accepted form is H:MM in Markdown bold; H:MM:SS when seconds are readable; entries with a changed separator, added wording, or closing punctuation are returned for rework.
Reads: **1:29**
